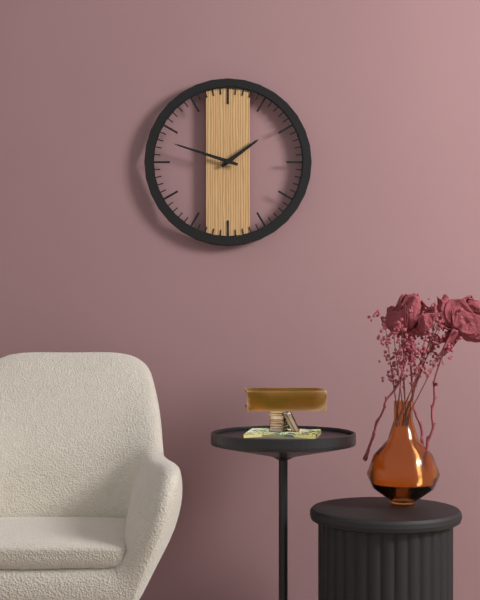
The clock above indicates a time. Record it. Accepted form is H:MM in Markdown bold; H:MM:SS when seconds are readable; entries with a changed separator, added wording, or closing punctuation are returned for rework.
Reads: **1:48**
